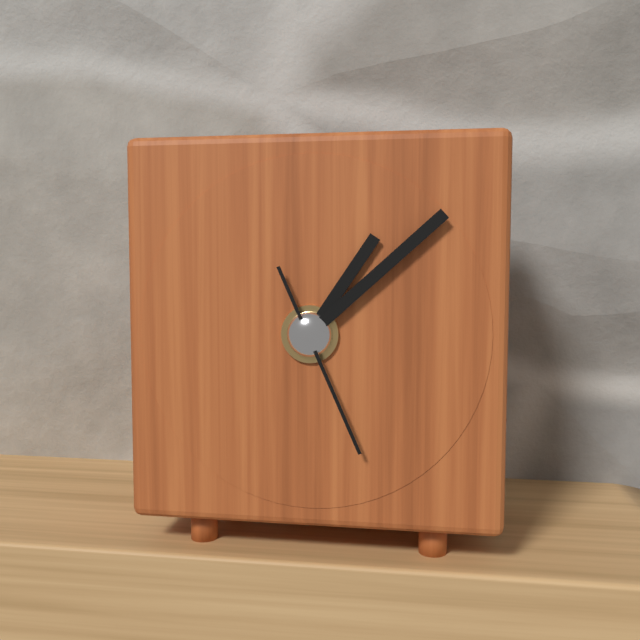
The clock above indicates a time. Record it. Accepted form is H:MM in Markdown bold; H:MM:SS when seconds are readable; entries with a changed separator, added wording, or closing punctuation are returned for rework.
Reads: **1:08:26**
